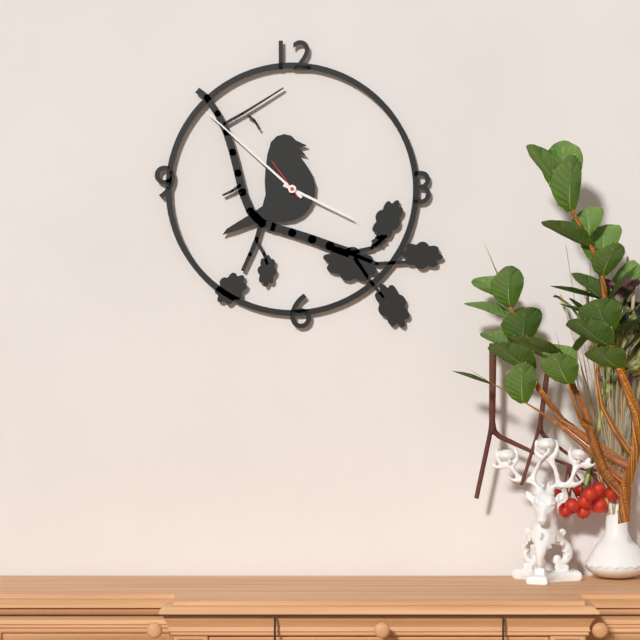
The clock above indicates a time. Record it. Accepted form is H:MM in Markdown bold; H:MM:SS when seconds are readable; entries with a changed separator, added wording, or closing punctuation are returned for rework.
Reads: **3:52**
